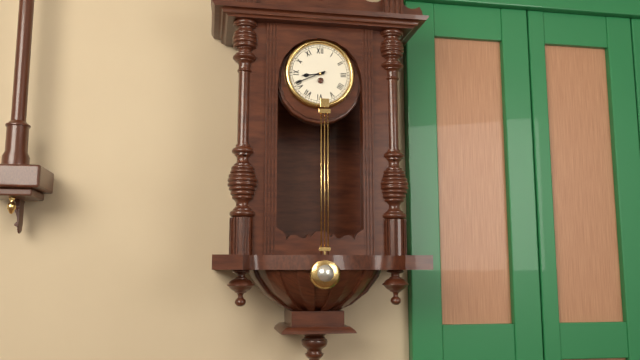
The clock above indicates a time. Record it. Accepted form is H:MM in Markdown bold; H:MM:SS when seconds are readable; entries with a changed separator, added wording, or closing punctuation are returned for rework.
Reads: **8:41**
